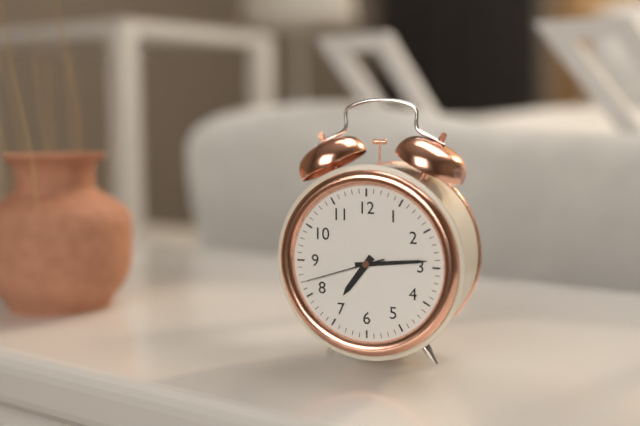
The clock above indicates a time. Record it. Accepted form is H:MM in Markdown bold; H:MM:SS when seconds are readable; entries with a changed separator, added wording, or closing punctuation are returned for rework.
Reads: **7:14:42**
